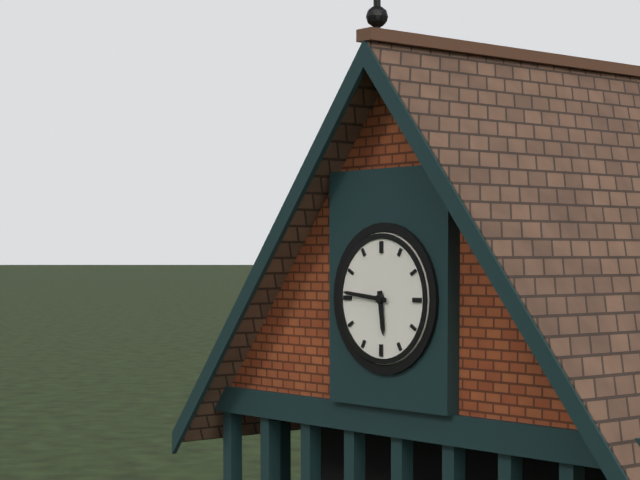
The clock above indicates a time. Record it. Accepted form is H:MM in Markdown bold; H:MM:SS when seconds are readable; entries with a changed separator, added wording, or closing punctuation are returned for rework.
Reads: **5:46**
